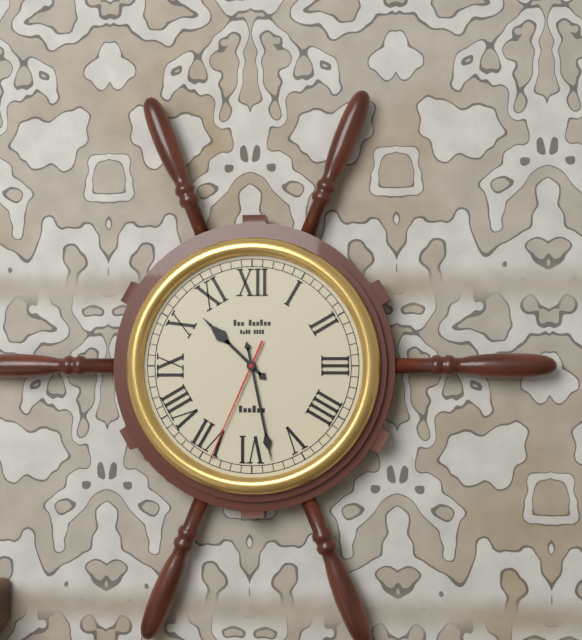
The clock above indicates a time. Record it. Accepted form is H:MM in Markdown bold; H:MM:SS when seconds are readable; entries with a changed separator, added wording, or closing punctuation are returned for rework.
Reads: **10:28:34**
